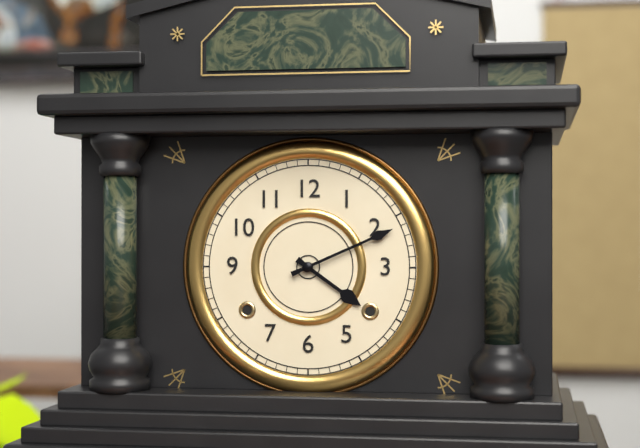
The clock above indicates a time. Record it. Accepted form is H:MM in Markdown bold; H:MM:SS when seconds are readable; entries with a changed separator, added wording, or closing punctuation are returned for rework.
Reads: **4:11**
